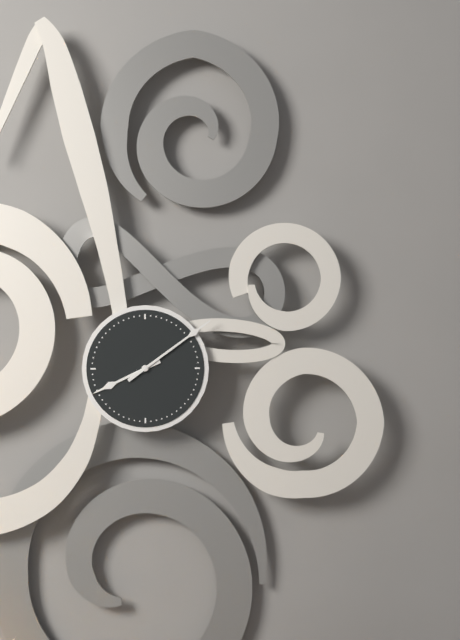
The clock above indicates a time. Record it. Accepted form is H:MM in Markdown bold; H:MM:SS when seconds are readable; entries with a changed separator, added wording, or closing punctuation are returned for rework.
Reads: **8:09**
